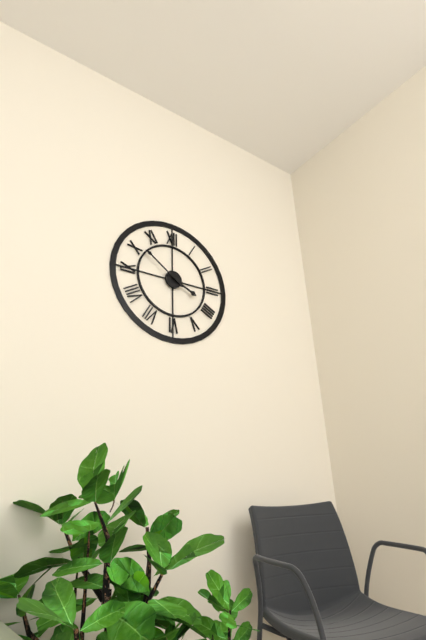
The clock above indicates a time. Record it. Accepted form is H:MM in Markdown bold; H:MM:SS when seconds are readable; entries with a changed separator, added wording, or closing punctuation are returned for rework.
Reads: **3:51**
